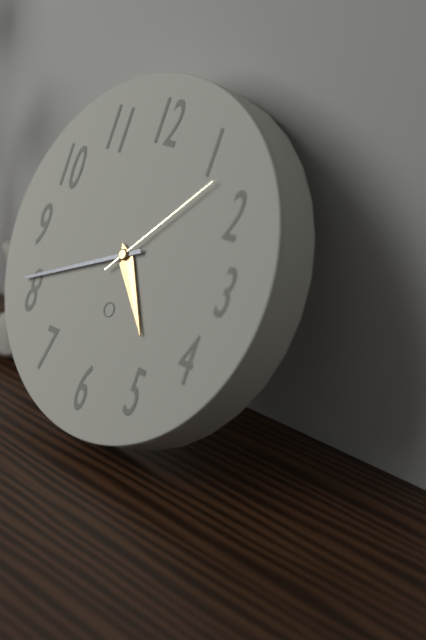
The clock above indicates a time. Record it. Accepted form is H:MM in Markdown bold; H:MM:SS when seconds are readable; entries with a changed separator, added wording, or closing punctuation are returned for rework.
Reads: **4:41:07**
